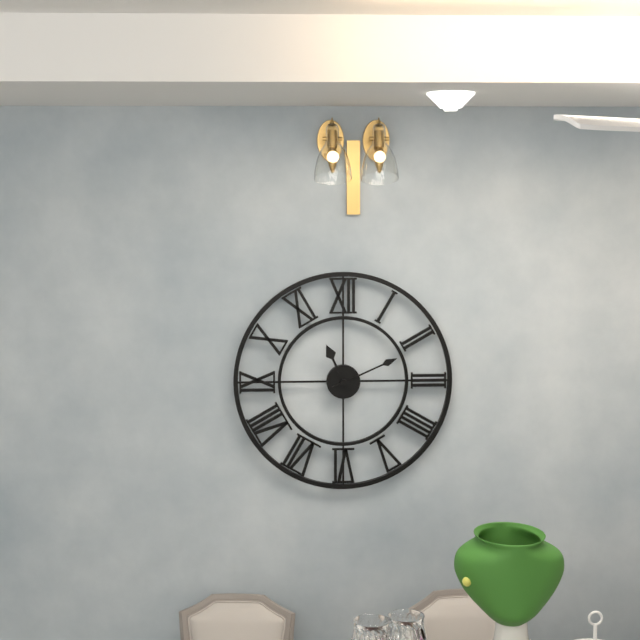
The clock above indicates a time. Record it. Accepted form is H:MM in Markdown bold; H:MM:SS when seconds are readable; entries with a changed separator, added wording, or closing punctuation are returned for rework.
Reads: **11:11**
